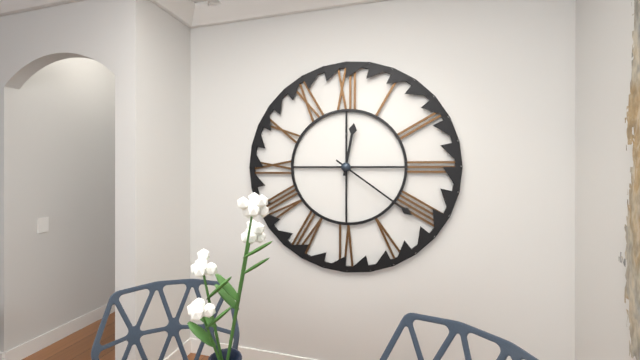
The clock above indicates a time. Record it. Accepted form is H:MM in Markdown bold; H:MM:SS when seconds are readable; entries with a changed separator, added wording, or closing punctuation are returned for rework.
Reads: **12:21**
